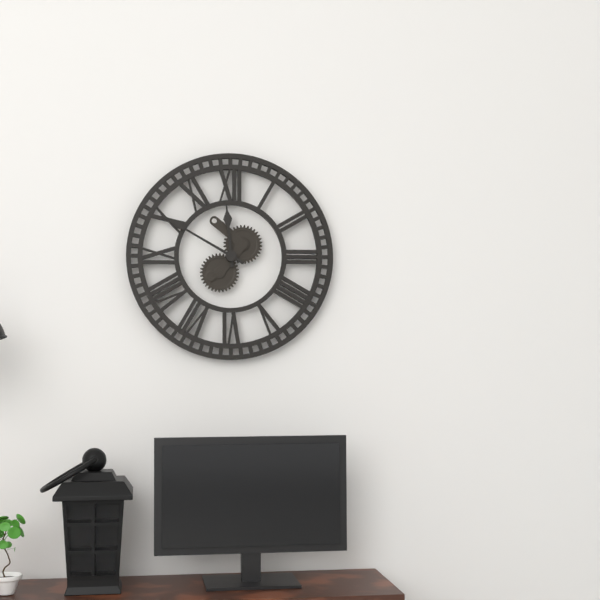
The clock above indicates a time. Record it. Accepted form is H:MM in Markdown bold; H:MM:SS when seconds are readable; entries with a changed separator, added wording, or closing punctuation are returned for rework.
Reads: **11:50**
